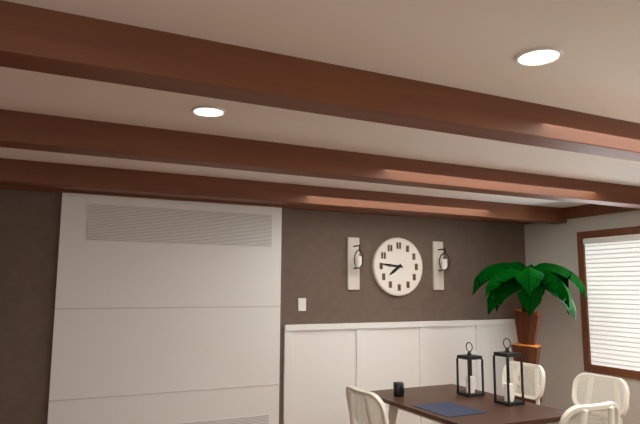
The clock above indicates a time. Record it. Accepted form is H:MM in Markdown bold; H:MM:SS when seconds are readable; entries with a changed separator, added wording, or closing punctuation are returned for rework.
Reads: **7:46**
